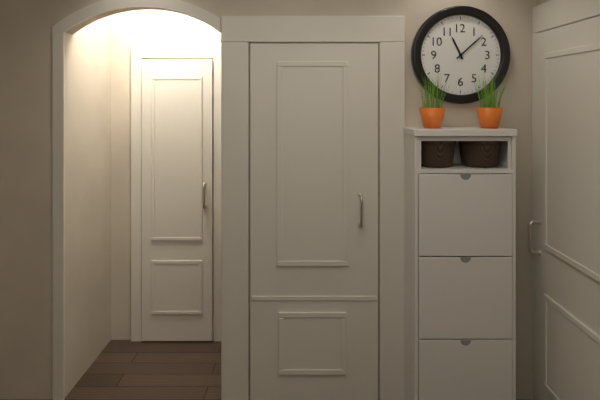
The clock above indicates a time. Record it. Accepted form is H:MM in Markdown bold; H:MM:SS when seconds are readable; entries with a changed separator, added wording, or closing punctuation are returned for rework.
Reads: **11:08**
